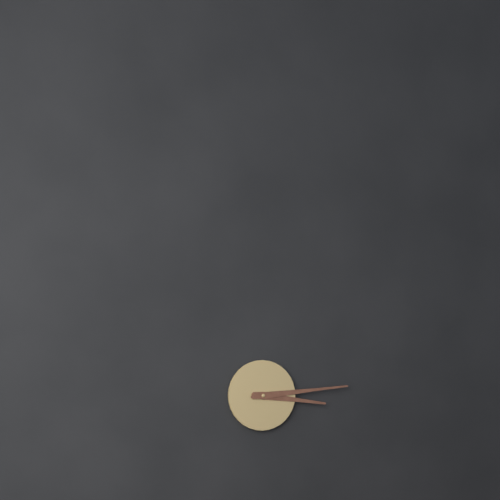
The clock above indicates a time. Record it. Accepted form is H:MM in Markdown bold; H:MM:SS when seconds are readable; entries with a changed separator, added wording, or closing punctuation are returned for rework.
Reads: **3:14**
